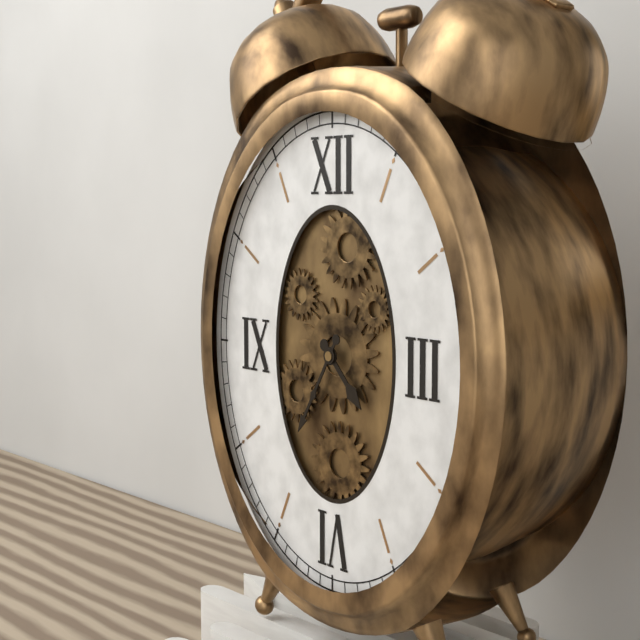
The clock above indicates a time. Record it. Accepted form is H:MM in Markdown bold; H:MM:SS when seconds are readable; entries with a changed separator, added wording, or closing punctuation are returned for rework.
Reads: **4:35**
